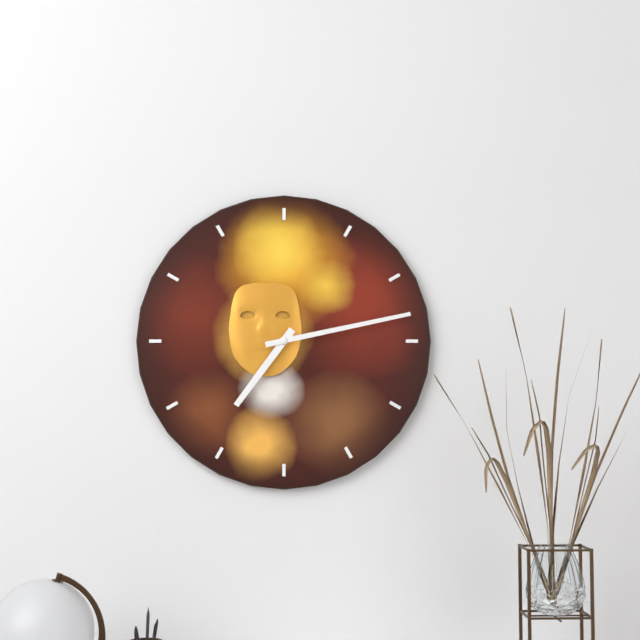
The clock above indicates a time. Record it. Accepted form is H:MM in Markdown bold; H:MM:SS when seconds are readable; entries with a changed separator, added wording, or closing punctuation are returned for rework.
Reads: **7:13**
